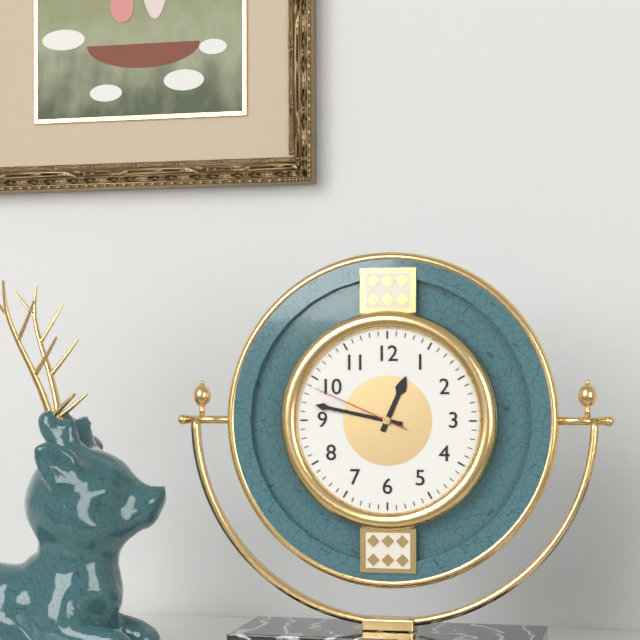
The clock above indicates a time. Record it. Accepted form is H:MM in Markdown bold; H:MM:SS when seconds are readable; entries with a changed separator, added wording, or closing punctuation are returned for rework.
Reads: **12:47:49**
